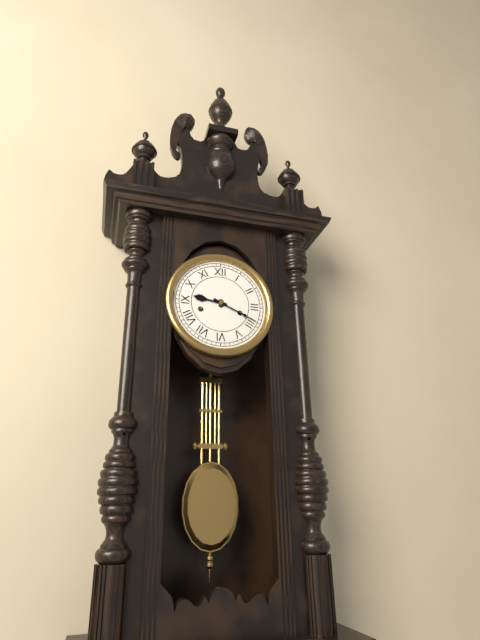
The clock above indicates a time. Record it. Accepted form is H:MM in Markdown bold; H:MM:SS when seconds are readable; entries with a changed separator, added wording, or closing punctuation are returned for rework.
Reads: **9:19**
